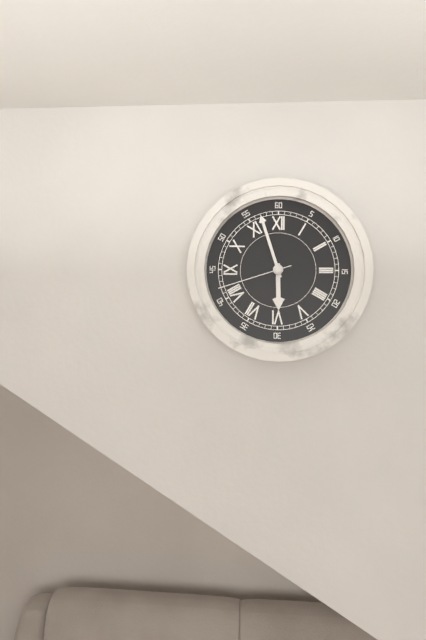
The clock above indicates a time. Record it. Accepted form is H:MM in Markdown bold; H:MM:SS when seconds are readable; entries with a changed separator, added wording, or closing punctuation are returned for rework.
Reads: **5:57:42**
